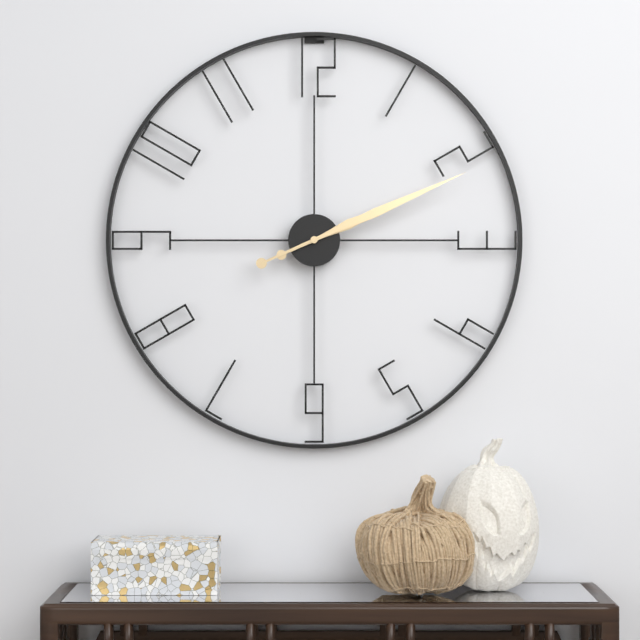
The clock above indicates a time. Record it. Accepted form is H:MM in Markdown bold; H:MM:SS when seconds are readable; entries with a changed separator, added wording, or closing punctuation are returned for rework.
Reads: **2:11**
